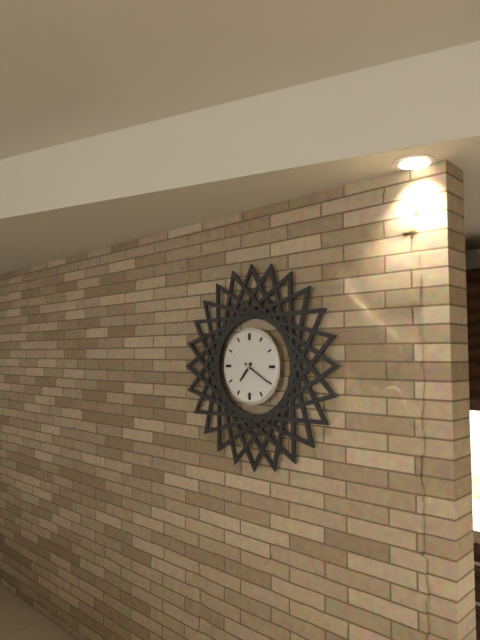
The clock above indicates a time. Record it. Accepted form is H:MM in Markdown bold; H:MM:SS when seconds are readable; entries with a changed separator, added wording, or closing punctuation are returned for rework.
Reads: **7:20**
